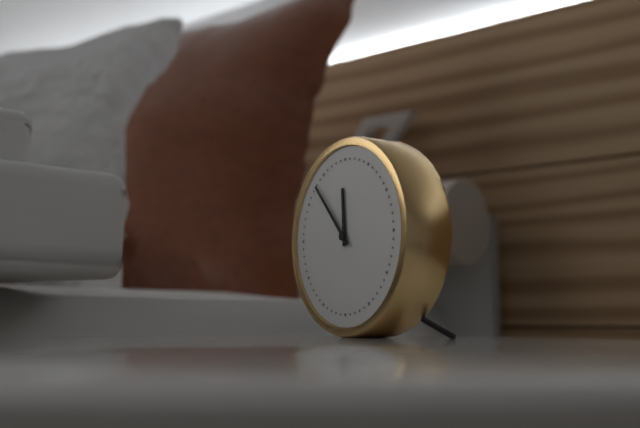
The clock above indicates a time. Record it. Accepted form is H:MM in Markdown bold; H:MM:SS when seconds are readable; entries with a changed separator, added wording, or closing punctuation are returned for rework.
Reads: **11:53**
